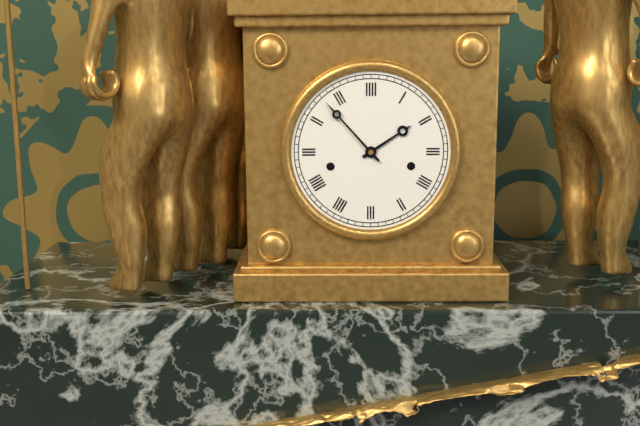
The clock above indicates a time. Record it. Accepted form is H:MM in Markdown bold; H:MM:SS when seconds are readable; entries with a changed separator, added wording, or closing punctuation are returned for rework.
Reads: **1:53**
